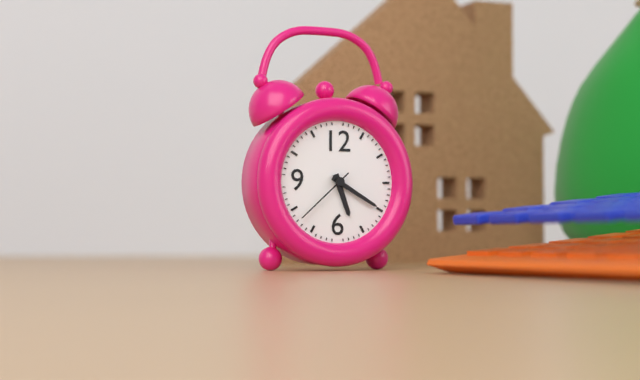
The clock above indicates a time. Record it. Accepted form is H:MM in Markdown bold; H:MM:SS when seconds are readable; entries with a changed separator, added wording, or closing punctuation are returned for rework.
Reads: **5:20:38**
